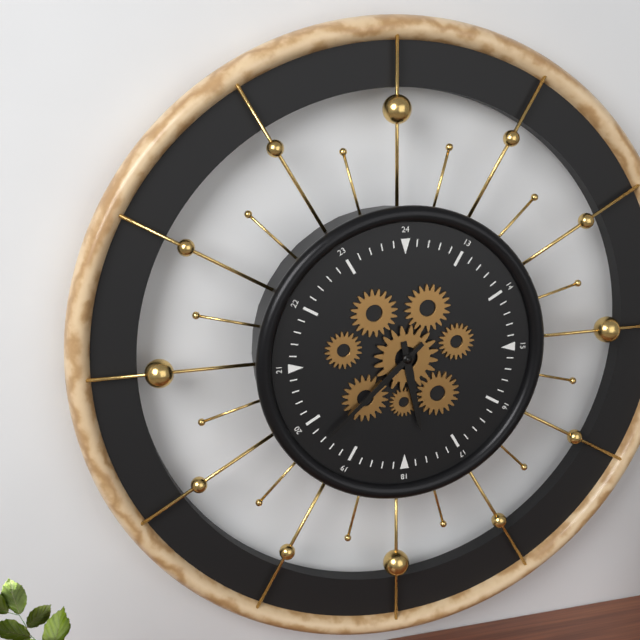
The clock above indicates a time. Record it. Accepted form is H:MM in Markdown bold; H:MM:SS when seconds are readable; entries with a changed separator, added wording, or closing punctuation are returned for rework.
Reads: **5:38**
